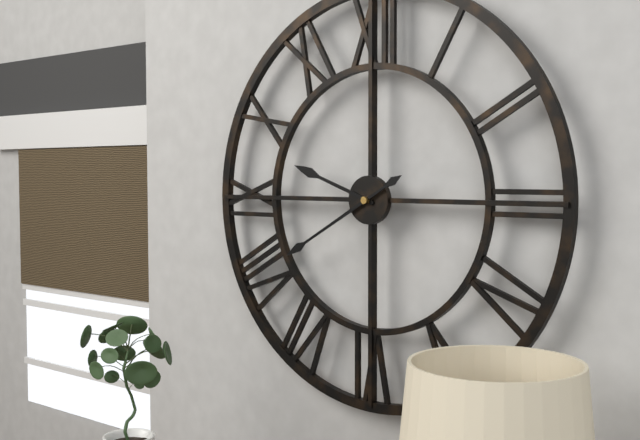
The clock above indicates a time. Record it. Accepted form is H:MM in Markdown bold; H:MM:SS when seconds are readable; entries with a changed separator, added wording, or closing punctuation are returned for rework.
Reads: **9:40**
